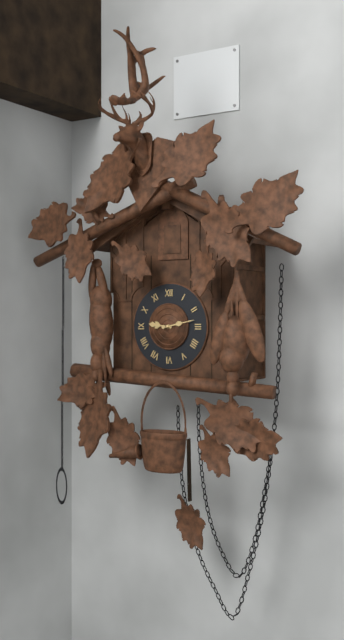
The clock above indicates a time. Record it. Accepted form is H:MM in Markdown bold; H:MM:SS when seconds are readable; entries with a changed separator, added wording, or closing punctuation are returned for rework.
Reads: **9:13**
